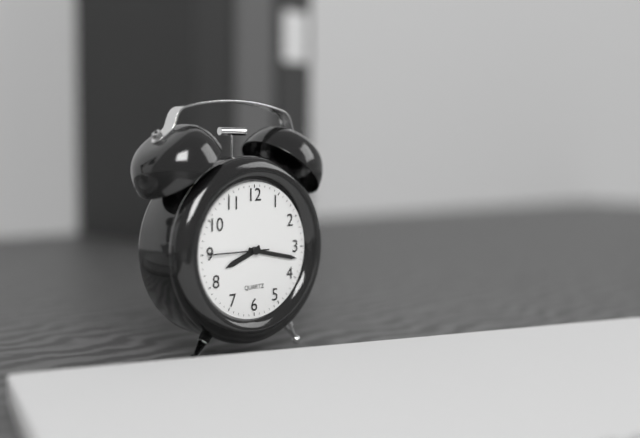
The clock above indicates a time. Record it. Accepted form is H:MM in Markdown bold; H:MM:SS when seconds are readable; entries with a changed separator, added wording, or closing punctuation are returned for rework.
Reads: **8:17:45**
